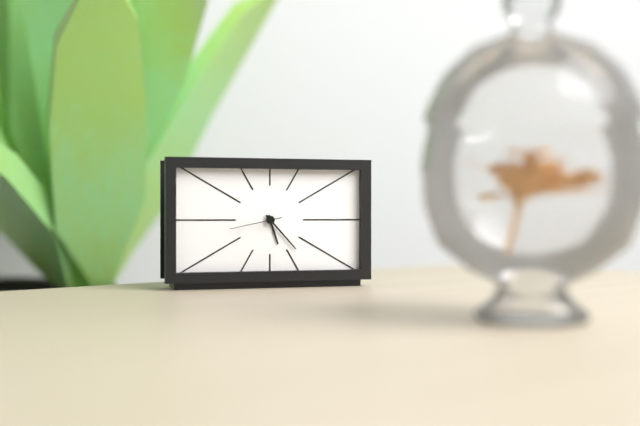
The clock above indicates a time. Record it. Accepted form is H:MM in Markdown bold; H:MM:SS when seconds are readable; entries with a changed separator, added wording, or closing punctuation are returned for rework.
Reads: **5:23:43**
